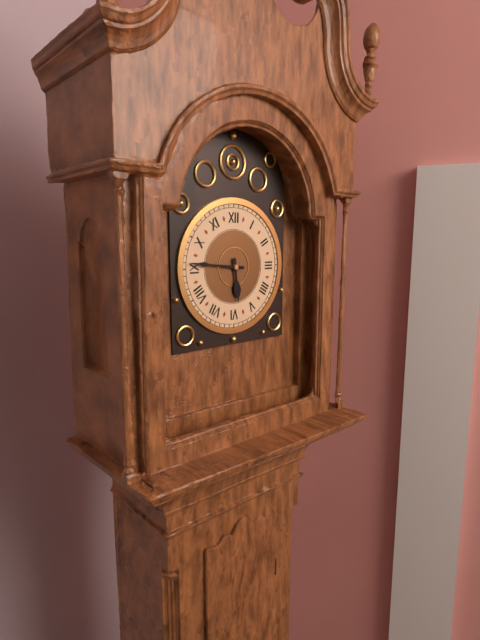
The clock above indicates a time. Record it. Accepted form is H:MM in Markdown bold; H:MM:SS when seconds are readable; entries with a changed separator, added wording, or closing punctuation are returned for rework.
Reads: **5:46**
